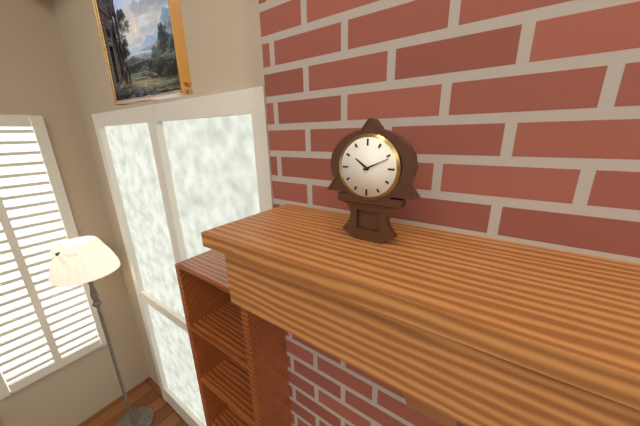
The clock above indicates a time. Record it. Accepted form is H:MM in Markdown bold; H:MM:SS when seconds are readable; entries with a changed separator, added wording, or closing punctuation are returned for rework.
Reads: **10:11**
